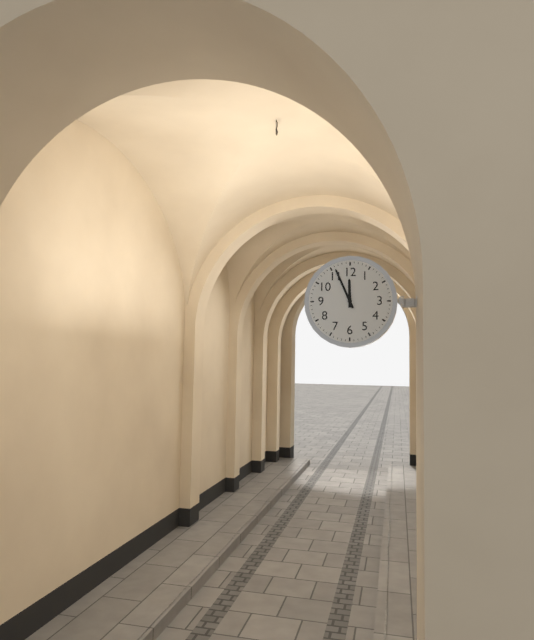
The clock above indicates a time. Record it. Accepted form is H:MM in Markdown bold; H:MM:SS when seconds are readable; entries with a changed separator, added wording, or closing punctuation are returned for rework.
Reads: **11:56**
